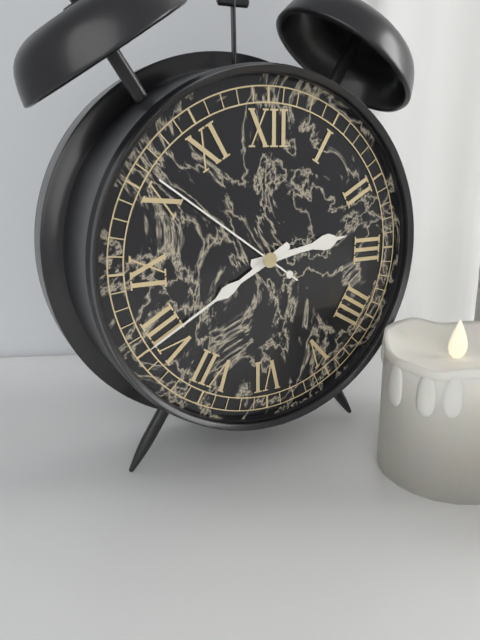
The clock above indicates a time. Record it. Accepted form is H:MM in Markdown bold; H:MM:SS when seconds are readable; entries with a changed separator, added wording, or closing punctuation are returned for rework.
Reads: **2:40:51**
